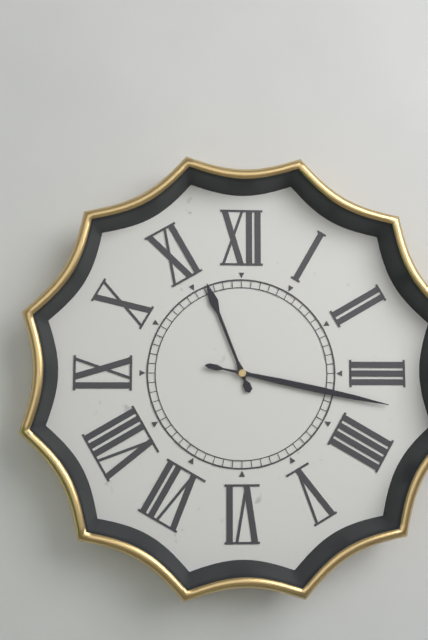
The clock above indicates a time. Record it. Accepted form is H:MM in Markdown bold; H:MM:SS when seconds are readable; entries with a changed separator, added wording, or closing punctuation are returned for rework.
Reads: **11:17**
